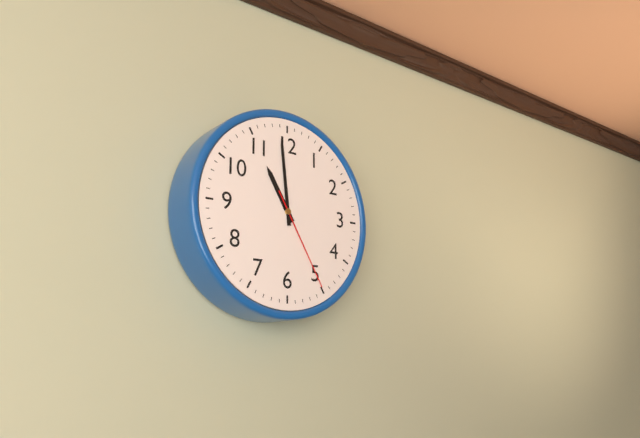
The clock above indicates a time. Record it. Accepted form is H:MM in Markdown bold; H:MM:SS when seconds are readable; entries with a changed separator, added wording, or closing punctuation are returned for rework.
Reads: **10:59:25**
